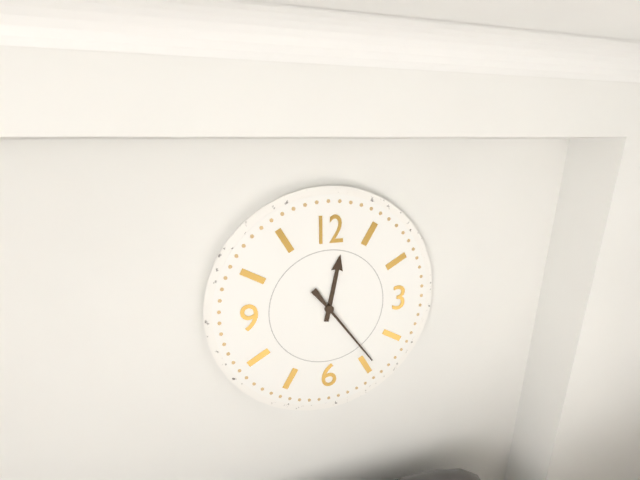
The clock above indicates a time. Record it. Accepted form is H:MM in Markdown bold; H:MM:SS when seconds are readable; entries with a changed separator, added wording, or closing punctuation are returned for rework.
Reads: **12:24**
